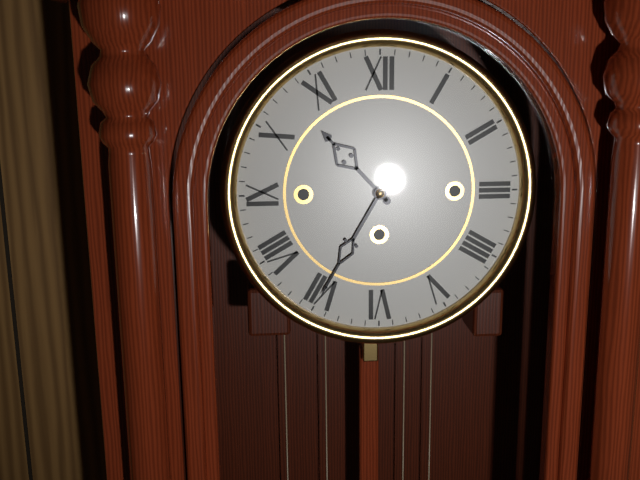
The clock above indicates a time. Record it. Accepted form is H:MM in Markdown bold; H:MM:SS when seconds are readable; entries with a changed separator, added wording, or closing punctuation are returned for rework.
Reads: **10:35**
